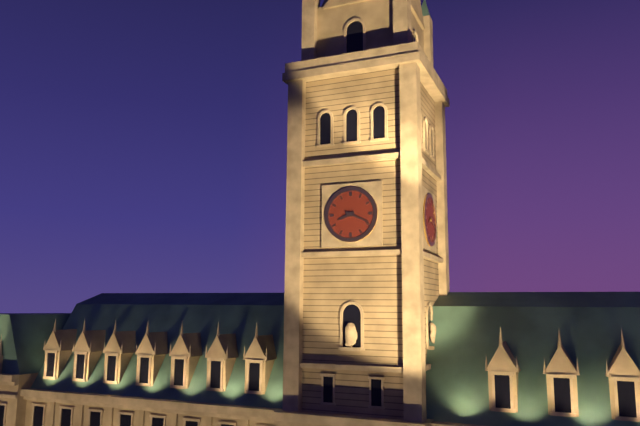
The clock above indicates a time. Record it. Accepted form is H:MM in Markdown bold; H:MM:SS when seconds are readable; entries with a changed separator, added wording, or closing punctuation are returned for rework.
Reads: **8:19**
